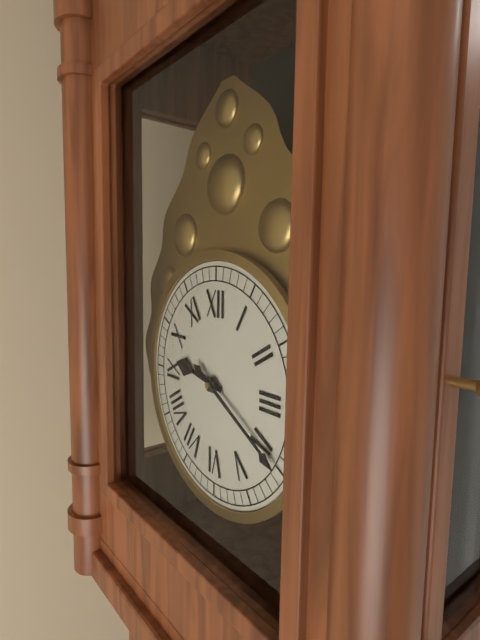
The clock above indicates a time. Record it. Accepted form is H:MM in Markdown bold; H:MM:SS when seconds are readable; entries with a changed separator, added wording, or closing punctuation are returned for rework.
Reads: **9:20**
